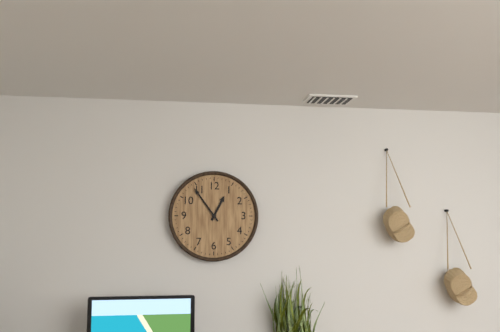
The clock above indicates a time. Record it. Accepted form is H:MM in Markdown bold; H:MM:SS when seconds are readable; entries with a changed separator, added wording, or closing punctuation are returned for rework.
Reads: **12:54**
